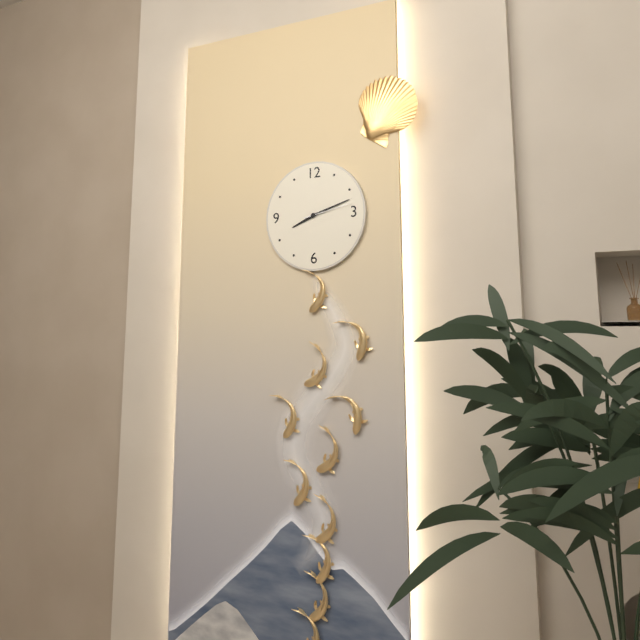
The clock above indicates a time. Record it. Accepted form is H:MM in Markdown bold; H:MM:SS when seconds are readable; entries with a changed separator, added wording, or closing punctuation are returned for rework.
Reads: **8:12:13**
